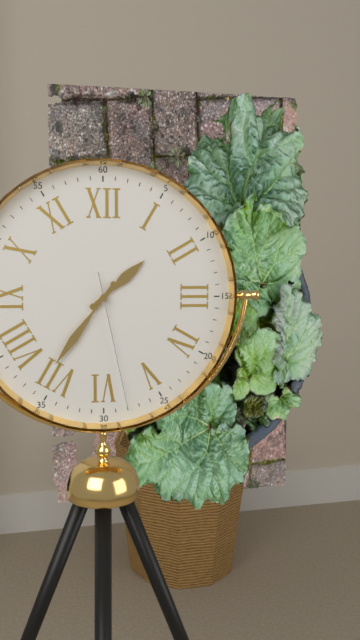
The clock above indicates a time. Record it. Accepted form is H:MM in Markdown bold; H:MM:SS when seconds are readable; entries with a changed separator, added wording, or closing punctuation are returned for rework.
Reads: **1:36:28**
